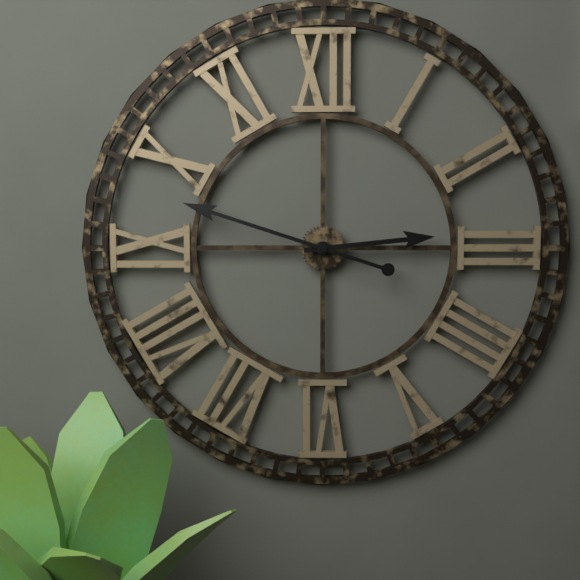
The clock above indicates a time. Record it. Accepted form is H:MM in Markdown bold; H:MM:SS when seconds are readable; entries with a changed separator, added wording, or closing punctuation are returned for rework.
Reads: **2:48**
